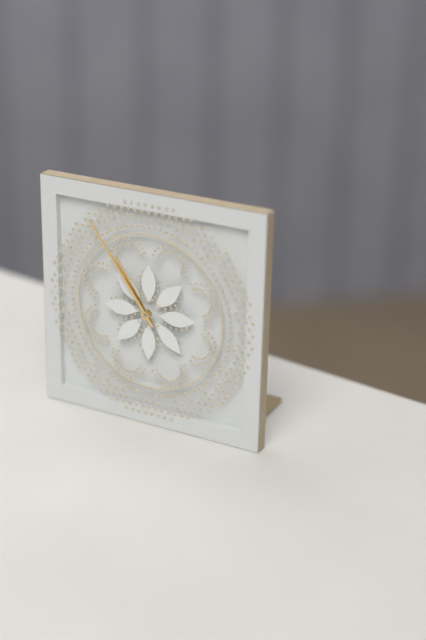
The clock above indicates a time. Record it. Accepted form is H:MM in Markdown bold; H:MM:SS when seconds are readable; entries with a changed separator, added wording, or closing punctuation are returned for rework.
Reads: **10:54**
